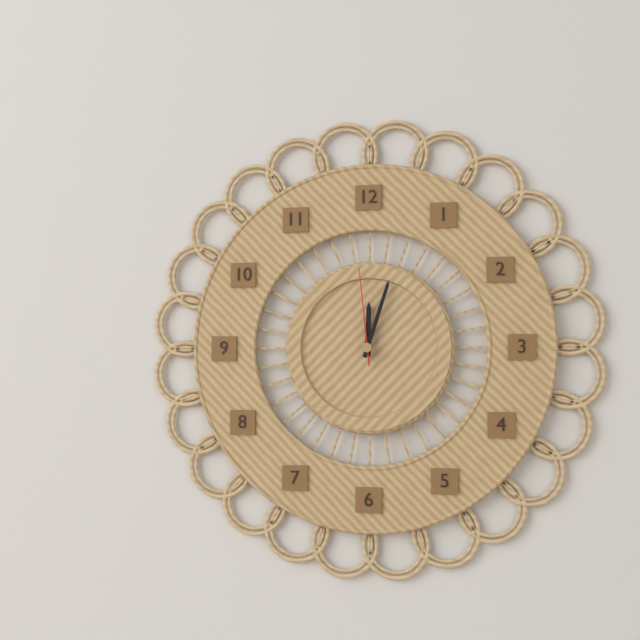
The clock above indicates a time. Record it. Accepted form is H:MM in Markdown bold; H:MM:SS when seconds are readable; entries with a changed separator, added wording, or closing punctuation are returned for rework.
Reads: **12:03:59**
